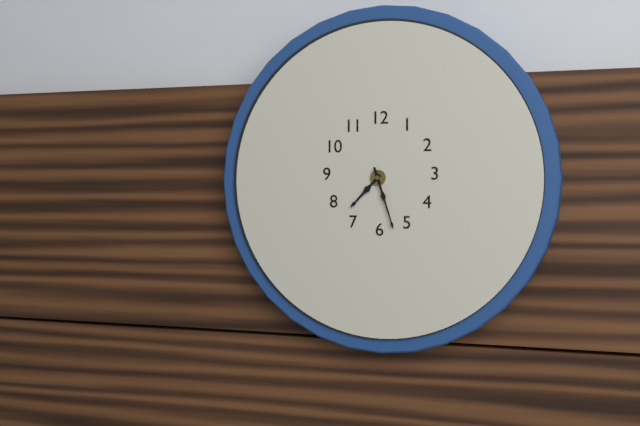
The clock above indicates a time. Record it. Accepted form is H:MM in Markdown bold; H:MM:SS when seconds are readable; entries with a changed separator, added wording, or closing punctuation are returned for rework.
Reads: **7:27**
